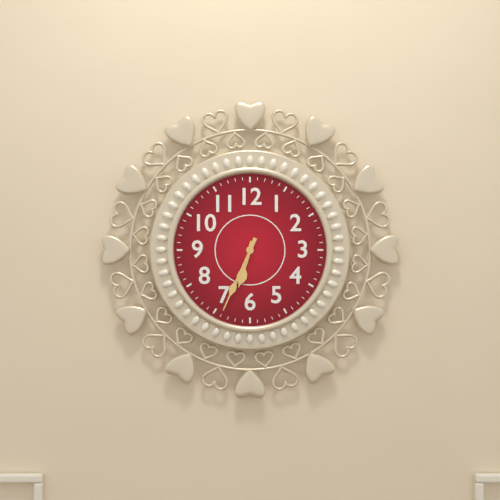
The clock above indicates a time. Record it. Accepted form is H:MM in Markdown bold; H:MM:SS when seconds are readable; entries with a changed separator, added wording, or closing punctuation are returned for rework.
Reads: **6:34**
